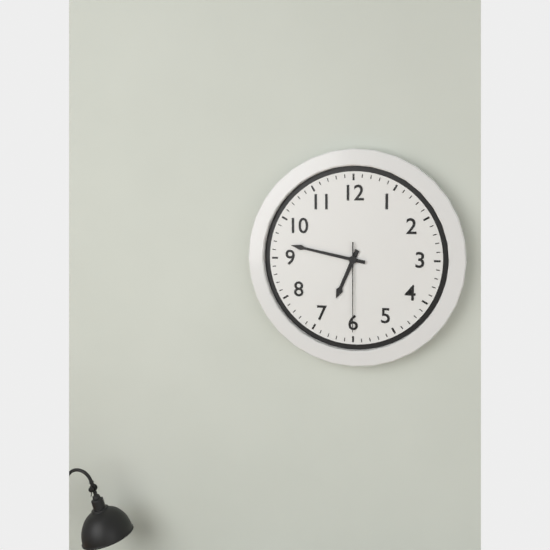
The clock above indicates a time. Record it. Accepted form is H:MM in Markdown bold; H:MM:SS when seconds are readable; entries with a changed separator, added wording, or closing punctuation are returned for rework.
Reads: **6:47:30**
